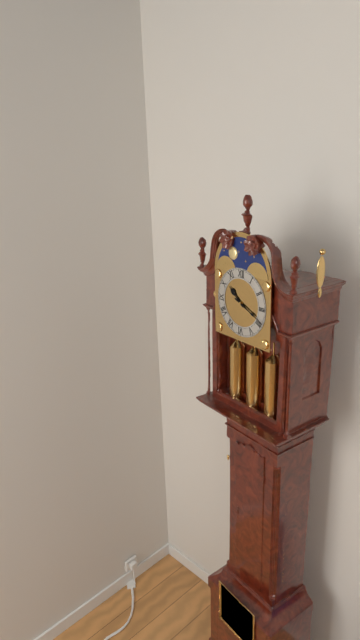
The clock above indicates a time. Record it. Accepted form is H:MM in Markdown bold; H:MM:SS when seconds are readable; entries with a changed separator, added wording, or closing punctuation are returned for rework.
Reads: **10:19**
